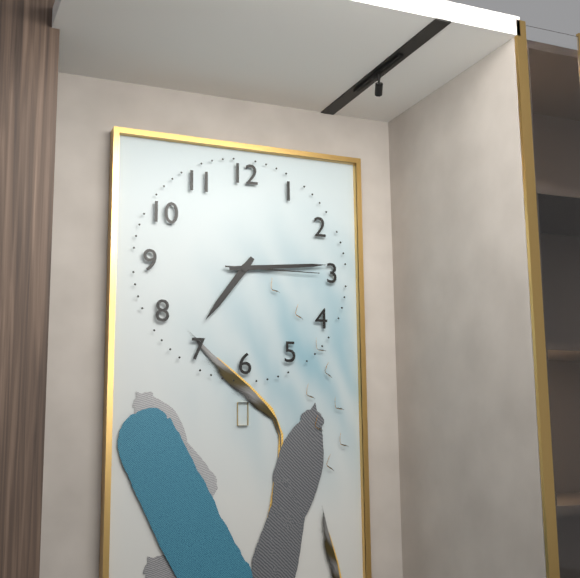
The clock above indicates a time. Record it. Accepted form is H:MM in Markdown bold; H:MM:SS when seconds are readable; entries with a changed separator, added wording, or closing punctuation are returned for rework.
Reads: **7:14:15**
